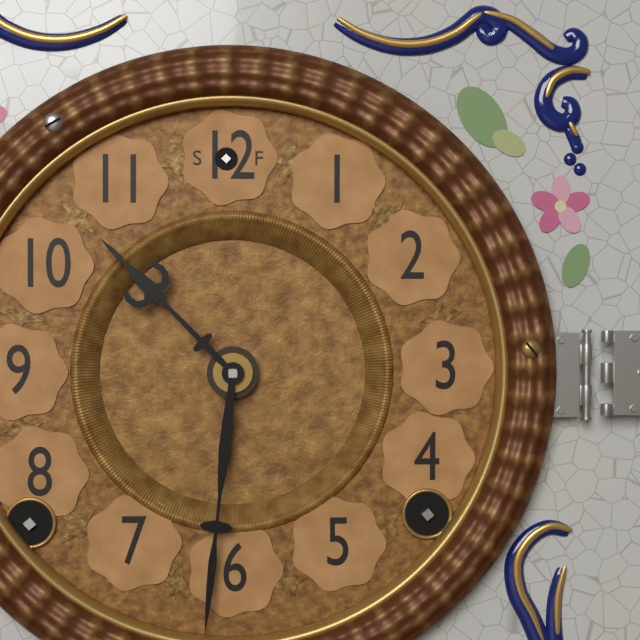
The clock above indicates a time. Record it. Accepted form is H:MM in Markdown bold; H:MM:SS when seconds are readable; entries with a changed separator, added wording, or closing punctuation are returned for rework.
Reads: **10:31**
